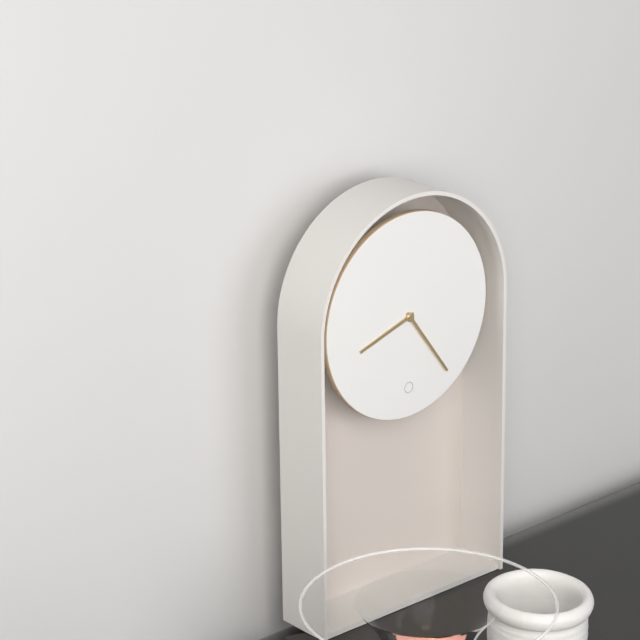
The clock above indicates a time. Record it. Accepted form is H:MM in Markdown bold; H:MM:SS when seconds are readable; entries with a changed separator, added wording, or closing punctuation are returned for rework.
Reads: **8:24**
